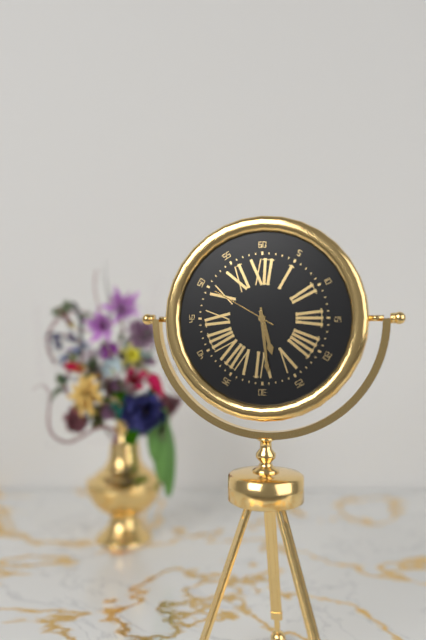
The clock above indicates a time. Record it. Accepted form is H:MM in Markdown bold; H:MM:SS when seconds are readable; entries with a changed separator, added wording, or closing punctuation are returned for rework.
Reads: **5:29:50**
